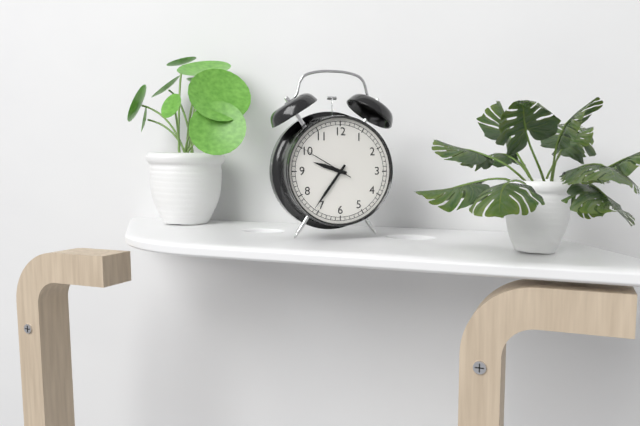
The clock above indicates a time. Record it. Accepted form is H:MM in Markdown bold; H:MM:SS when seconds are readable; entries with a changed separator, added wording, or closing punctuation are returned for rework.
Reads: **9:36:50**
